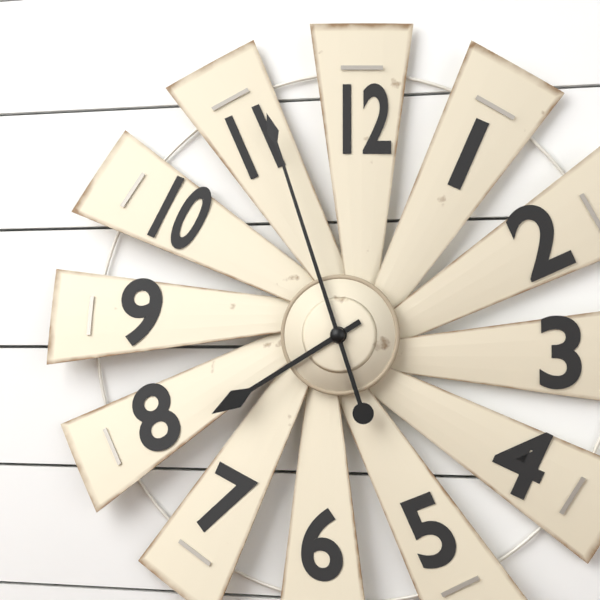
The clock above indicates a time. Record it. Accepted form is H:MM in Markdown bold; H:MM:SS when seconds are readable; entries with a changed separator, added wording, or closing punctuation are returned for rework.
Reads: **7:57**
